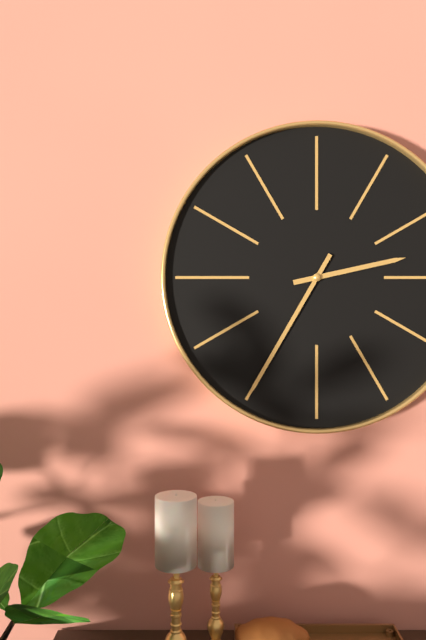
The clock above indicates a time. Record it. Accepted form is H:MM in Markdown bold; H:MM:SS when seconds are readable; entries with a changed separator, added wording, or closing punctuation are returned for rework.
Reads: **2:35**
